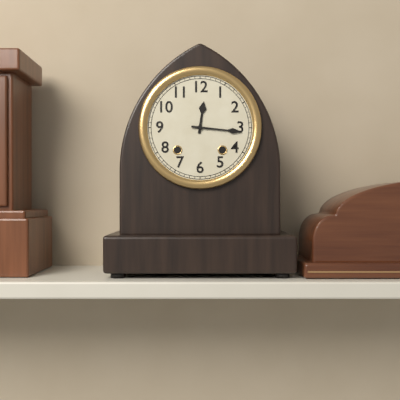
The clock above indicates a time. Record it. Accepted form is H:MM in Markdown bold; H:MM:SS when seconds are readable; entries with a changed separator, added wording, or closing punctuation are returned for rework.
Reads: **12:16**
